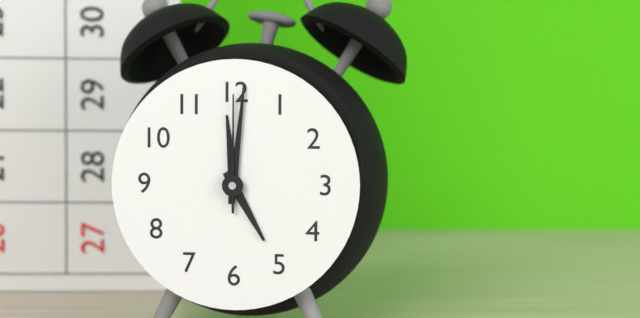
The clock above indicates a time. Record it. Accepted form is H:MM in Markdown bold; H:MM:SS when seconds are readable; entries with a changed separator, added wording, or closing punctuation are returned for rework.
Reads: **5:01:00**
